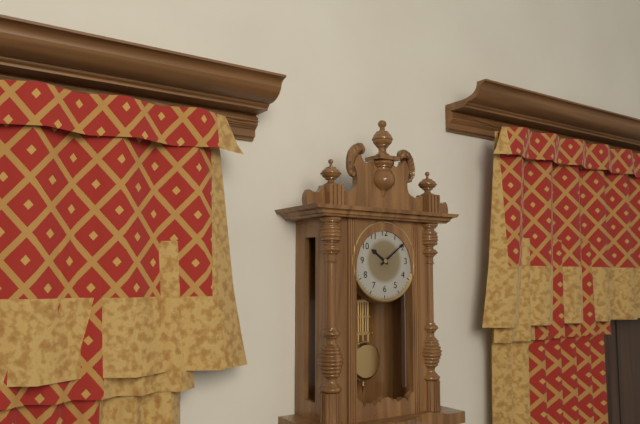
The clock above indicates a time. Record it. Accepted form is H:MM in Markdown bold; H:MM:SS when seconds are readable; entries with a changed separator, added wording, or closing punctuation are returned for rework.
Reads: **10:09**
